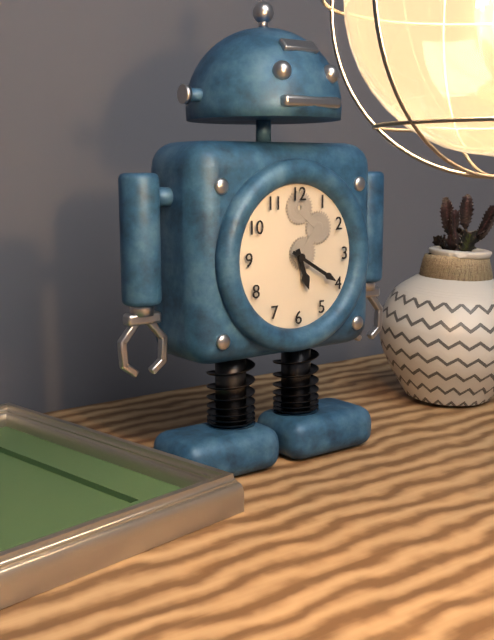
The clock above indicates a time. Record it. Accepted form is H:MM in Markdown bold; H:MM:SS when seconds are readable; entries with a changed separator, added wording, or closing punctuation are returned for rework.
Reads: **5:20**
